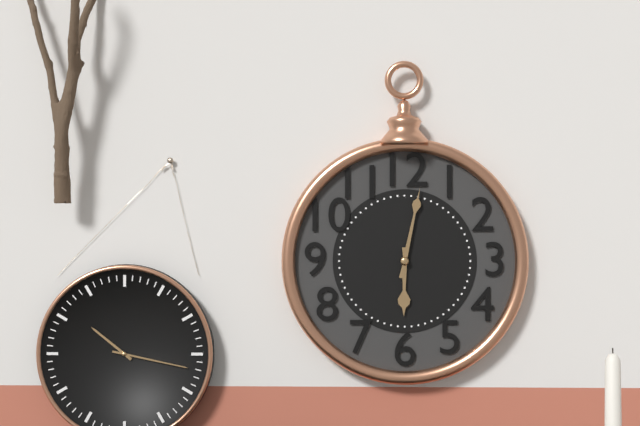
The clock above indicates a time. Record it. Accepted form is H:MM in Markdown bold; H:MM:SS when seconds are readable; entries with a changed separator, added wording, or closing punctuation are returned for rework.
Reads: **6:02**
